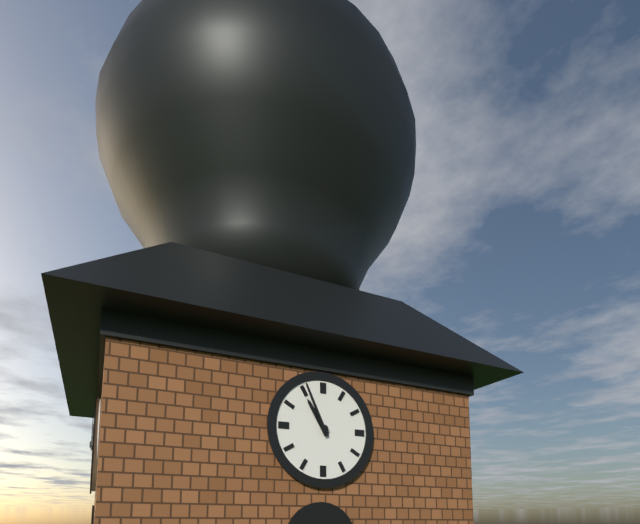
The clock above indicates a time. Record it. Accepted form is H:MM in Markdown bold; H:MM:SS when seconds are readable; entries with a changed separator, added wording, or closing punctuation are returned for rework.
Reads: **10:56**
